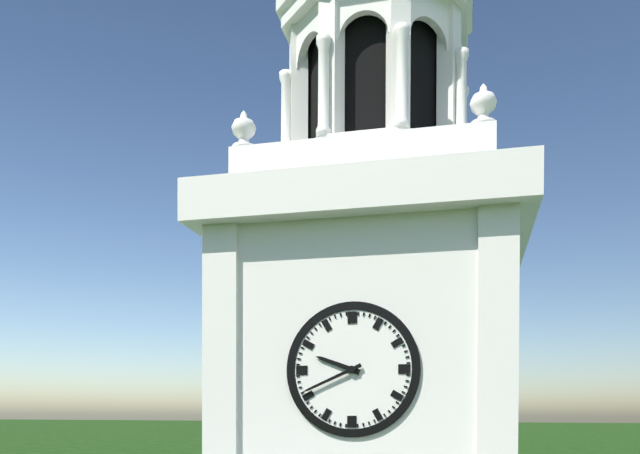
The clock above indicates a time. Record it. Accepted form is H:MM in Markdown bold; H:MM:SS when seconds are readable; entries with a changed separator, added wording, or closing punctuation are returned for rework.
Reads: **9:41**
